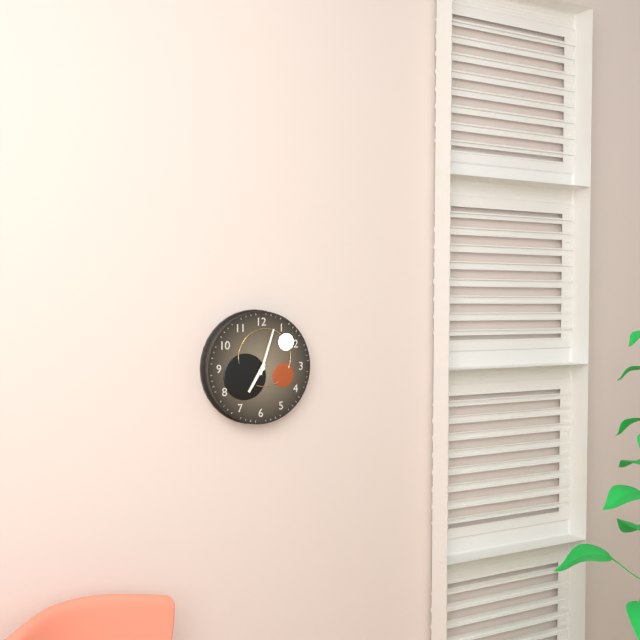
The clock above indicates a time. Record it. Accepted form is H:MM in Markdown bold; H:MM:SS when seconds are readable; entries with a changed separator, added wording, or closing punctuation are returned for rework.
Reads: **7:03**
